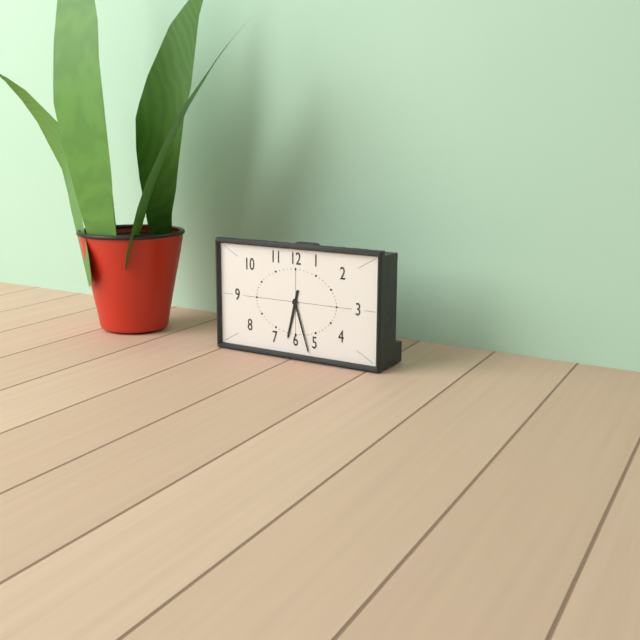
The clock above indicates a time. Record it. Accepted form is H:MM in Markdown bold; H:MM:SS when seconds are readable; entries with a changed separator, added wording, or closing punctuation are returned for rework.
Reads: **6:27**
